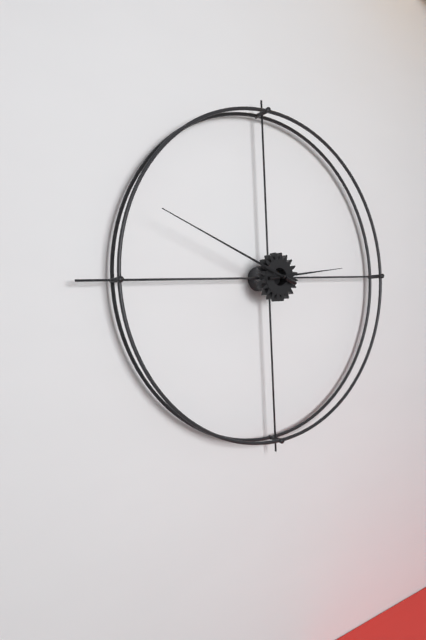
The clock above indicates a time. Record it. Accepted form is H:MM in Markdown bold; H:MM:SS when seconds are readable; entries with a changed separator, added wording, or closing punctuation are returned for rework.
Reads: **2:49**
